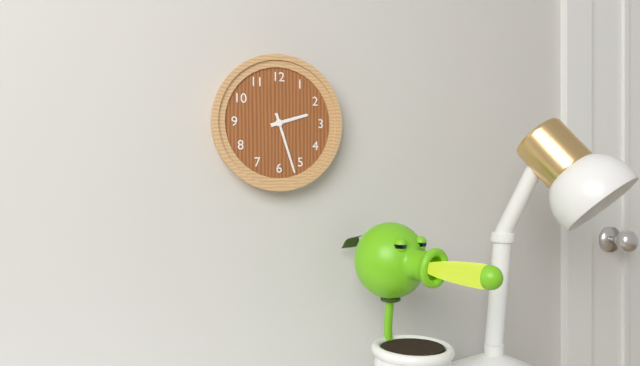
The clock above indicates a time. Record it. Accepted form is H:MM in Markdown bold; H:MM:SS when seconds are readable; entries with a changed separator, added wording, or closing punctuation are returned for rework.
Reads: **2:27**
